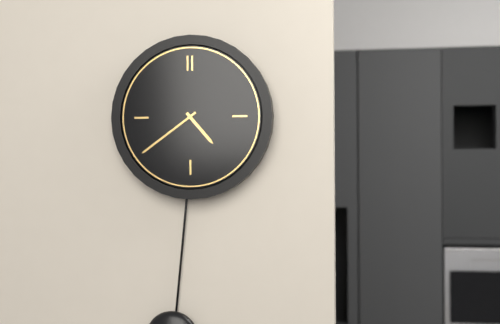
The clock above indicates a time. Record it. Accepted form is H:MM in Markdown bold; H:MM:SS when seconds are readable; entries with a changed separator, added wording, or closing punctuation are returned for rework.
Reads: **4:39**
